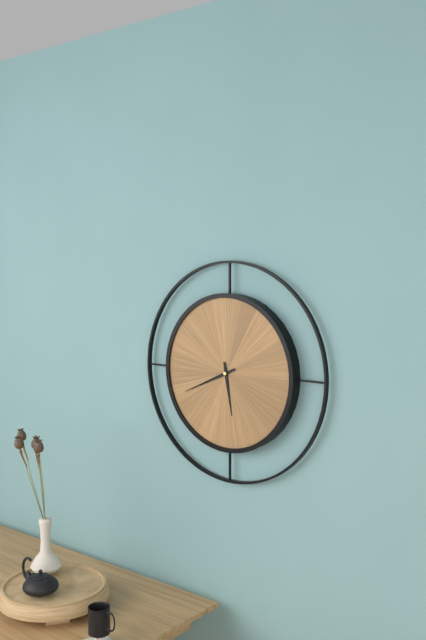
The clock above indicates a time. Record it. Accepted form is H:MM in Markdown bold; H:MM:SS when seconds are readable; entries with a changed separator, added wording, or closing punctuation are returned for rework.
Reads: **5:41**
